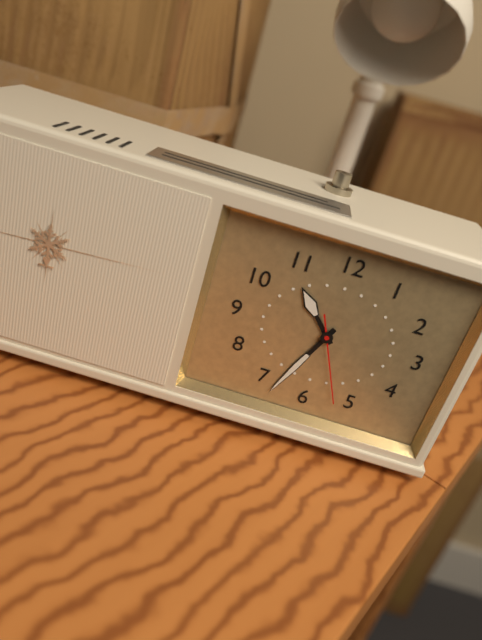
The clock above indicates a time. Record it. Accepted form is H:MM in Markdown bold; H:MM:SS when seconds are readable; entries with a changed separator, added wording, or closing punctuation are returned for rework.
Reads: **10:34:26**
